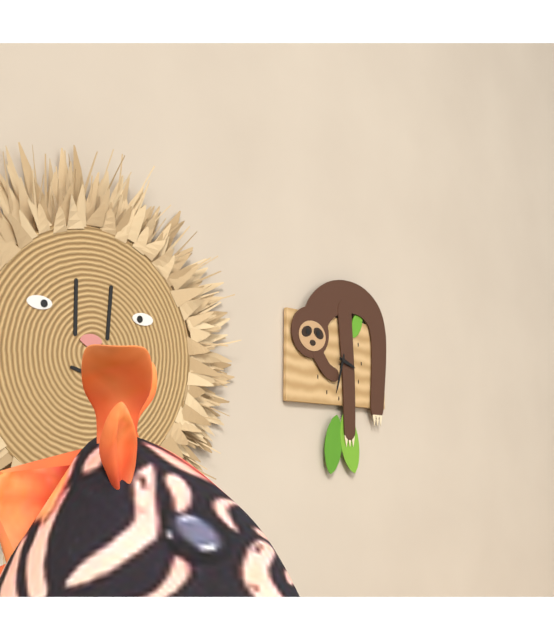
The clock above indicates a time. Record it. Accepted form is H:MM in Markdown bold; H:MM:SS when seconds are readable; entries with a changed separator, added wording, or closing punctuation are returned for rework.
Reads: **3:33**
